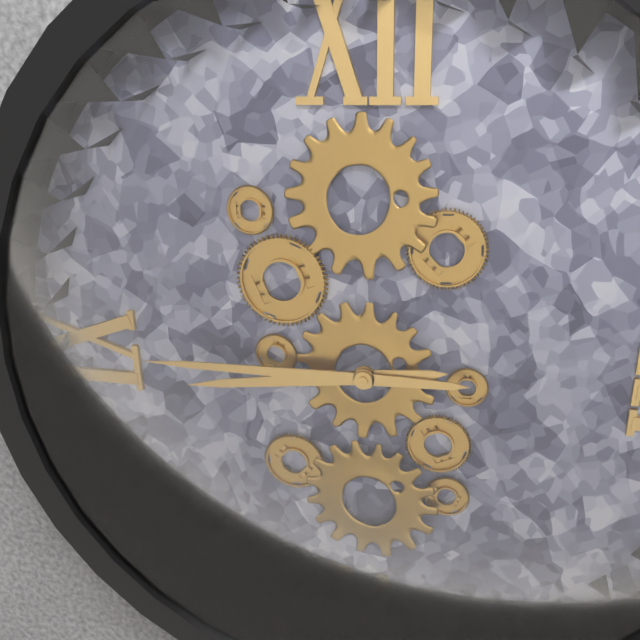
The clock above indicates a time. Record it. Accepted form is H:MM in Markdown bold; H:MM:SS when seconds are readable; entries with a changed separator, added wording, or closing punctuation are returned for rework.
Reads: **8:45**
